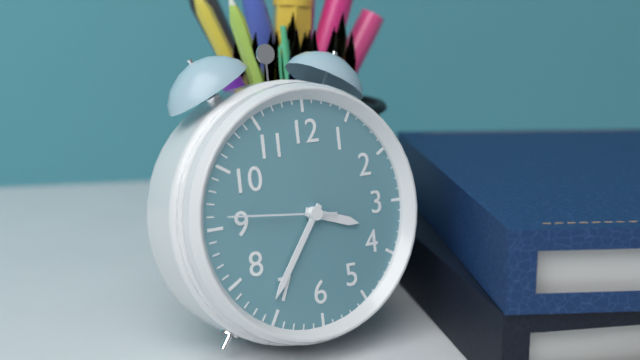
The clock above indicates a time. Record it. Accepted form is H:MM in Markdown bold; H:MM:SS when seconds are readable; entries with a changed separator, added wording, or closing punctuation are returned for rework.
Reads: **3:36:46**
